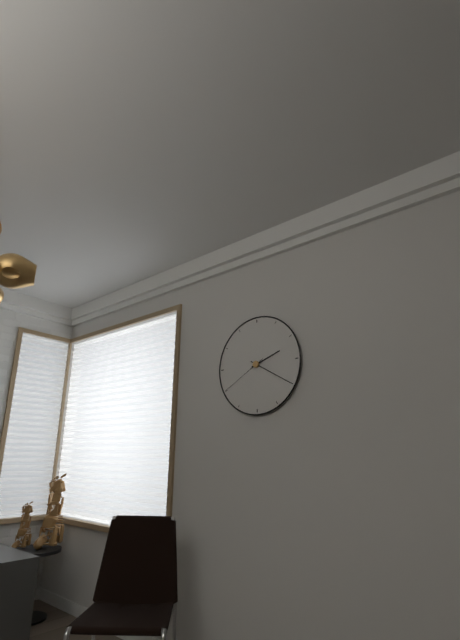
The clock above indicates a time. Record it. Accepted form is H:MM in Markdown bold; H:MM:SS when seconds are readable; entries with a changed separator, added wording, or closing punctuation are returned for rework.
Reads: **2:20:40**
